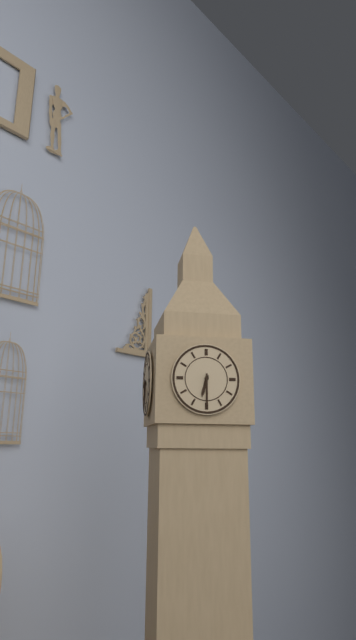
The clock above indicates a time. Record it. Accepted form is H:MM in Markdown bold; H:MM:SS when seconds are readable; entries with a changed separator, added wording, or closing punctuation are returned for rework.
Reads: **6:30**
